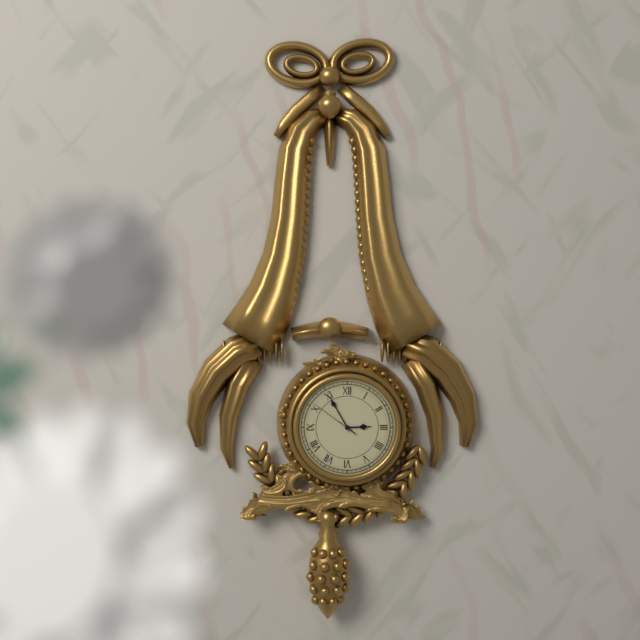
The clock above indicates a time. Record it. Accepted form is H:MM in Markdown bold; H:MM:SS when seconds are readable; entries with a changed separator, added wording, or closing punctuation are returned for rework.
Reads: **2:55:51**
